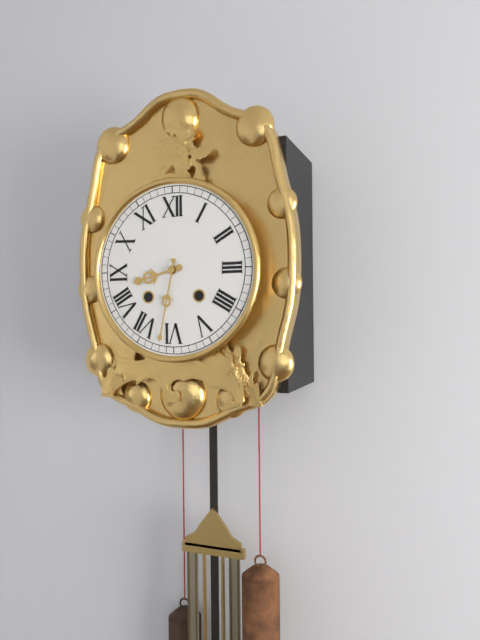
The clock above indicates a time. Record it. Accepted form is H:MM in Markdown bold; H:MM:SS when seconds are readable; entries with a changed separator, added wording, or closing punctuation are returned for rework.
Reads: **8:32**
